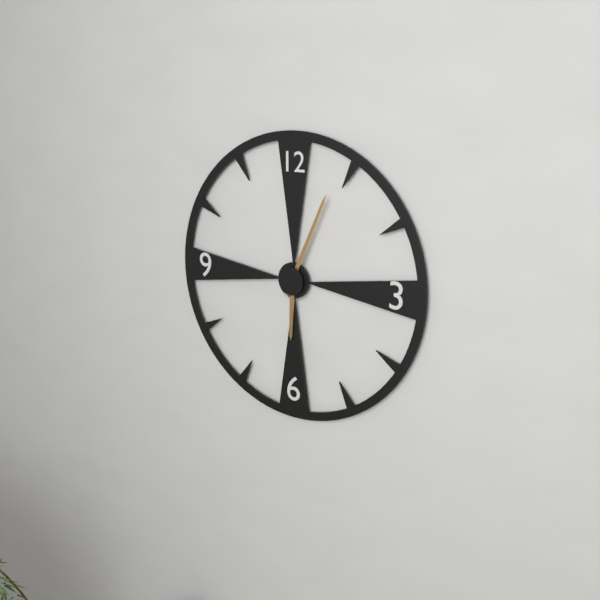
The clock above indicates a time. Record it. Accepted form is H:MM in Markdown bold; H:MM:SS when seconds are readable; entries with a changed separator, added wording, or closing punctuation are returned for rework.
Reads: **6:04**
